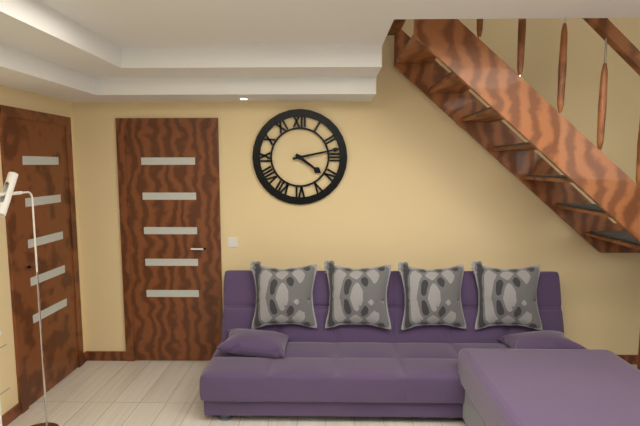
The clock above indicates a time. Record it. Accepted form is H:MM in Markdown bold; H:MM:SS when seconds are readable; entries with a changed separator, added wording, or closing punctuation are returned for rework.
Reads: **4:13**
